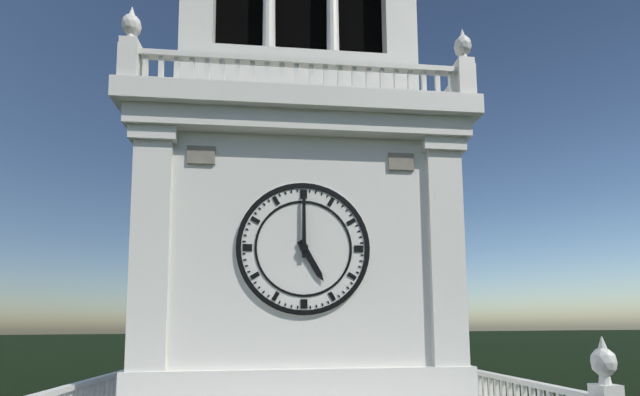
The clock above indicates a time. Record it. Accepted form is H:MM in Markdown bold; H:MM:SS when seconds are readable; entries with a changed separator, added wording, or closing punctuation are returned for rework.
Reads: **5:00**
